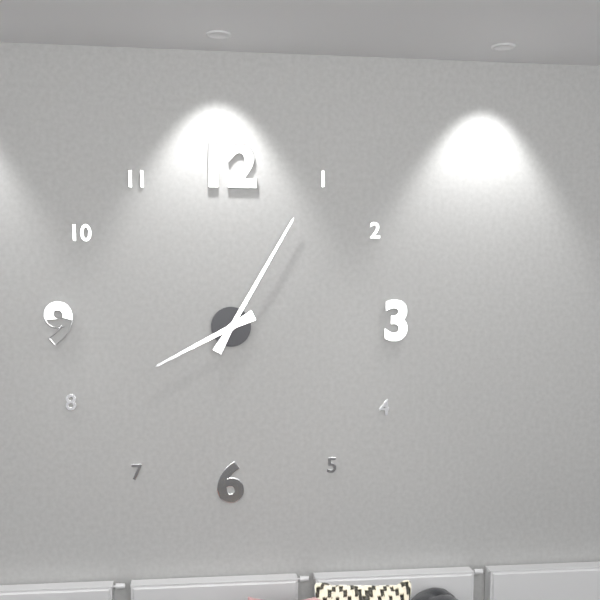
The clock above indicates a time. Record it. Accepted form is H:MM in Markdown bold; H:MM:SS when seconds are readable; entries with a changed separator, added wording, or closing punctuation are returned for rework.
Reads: **8:05**
